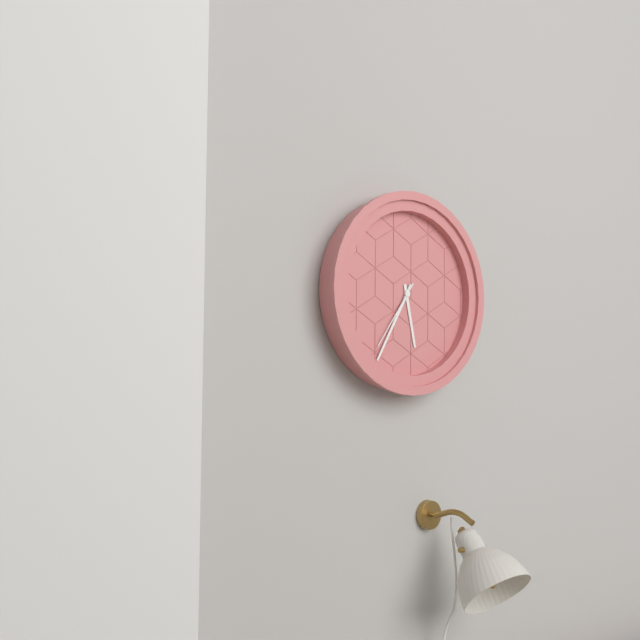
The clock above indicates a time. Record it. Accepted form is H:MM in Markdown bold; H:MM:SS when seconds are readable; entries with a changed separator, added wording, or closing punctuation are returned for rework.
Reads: **5:35:36**
